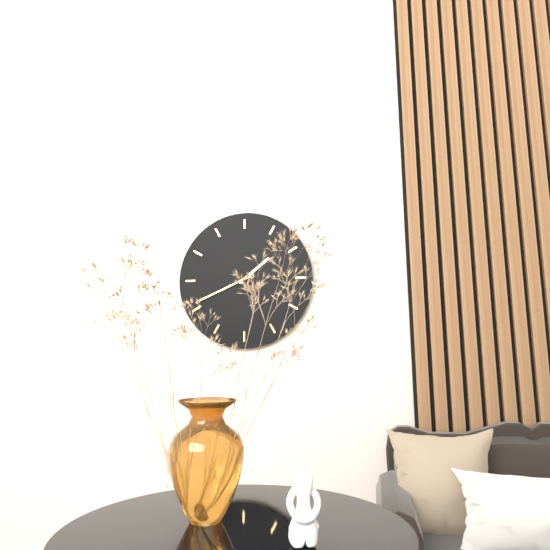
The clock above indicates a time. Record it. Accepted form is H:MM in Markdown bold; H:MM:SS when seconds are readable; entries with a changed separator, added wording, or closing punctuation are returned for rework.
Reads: **1:41**
